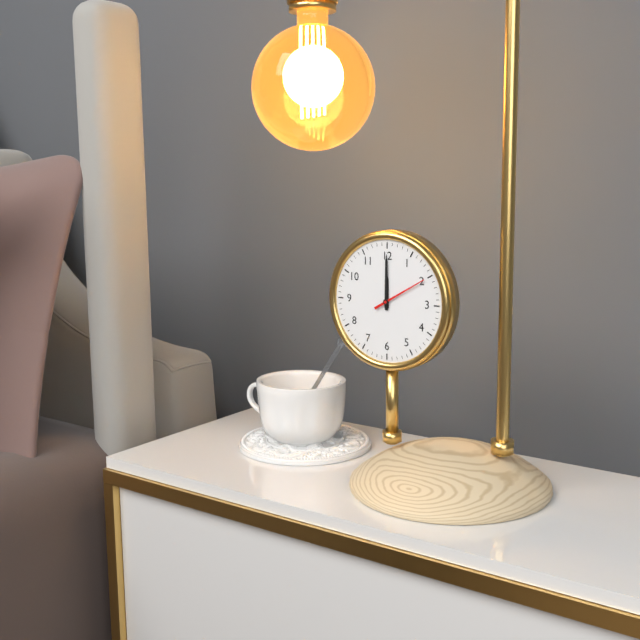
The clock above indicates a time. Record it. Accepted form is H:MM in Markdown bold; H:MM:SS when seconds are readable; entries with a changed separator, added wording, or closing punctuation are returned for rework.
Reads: **12:00:10**
